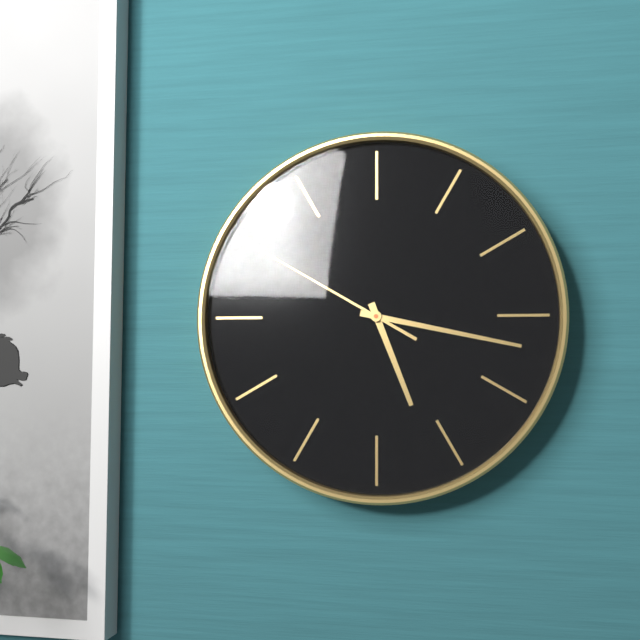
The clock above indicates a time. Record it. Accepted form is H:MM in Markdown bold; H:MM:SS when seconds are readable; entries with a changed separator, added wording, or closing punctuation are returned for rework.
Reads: **5:17:50**
